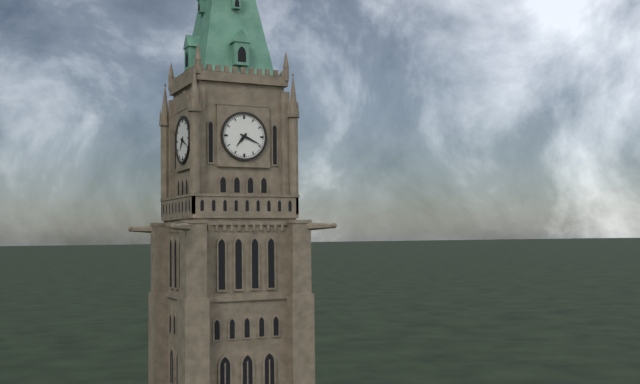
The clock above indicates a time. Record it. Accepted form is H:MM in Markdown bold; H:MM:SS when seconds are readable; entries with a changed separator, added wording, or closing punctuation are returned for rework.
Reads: **7:19**
